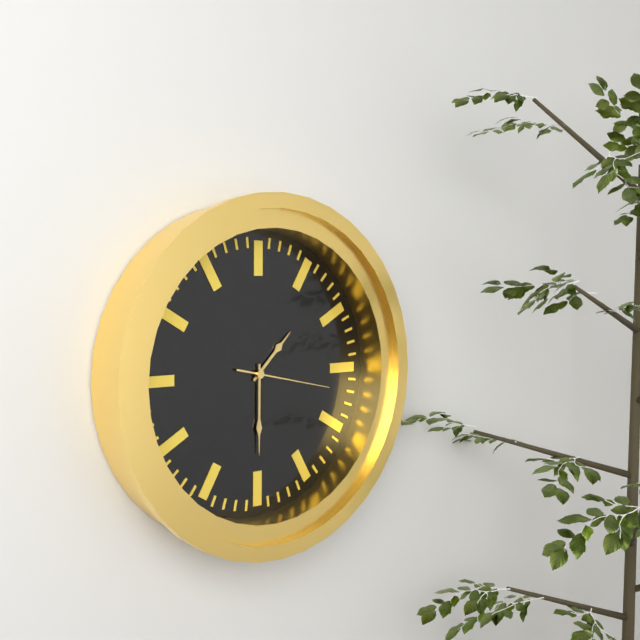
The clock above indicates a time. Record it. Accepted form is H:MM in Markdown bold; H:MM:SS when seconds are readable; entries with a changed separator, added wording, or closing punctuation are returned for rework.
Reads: **1:30:17**
